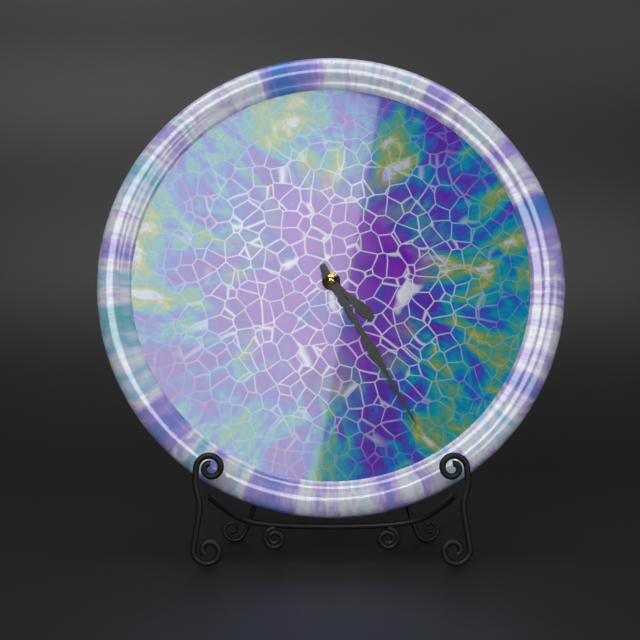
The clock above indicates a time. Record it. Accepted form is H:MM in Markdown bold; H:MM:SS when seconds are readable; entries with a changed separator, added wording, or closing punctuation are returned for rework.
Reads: **4:25**
